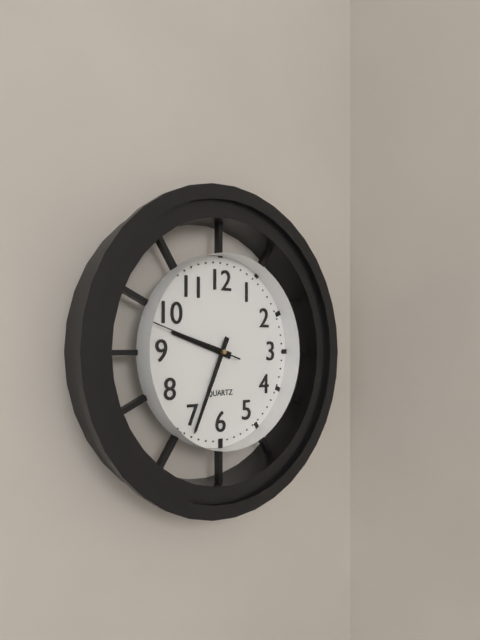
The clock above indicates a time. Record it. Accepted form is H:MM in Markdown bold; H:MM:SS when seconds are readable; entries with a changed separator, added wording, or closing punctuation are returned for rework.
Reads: **9:34:48**
